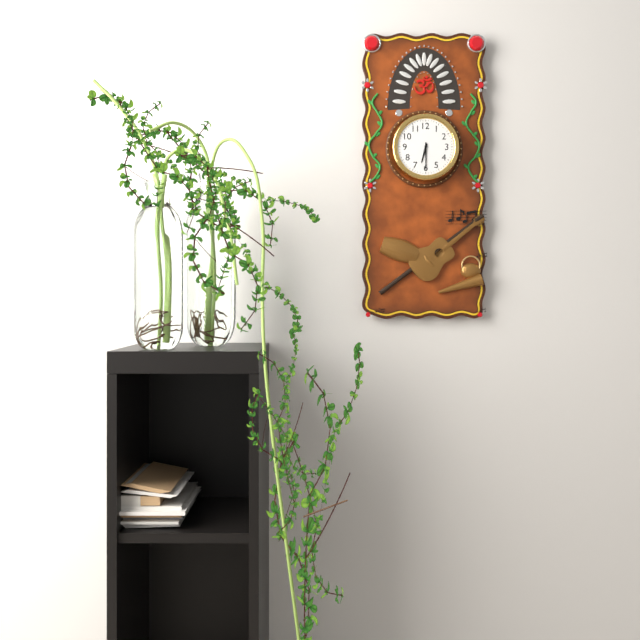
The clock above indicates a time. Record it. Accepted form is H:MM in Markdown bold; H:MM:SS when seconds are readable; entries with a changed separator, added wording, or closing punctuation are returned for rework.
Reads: **6:30**
